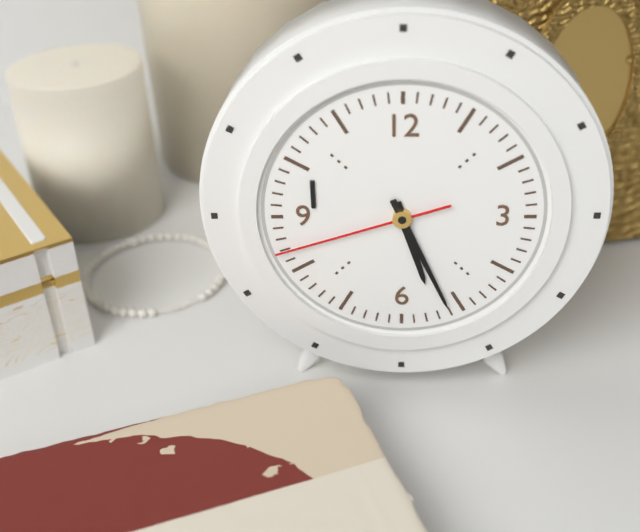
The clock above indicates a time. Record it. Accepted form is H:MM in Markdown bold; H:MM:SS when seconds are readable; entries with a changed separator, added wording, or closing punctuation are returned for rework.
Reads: **5:26:42**
